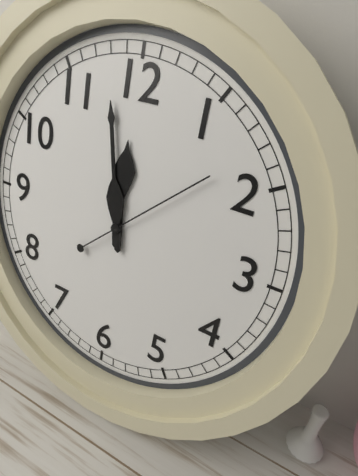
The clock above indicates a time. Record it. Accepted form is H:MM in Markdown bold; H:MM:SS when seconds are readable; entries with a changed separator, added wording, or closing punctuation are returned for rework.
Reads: **11:58:08**
